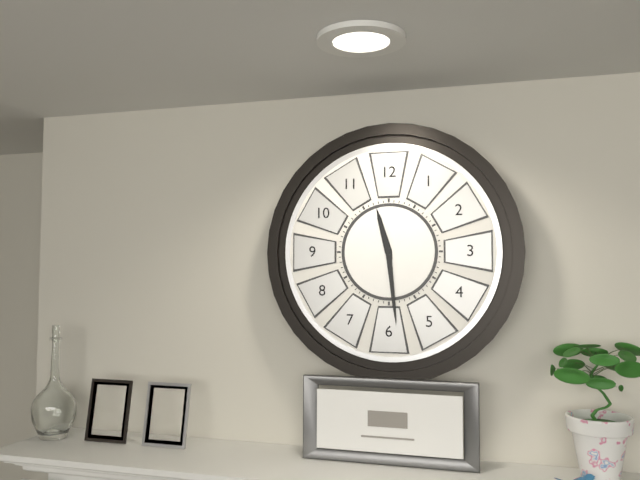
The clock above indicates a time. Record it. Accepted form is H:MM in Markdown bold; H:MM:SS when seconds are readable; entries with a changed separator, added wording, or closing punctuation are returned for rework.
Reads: **11:29**
